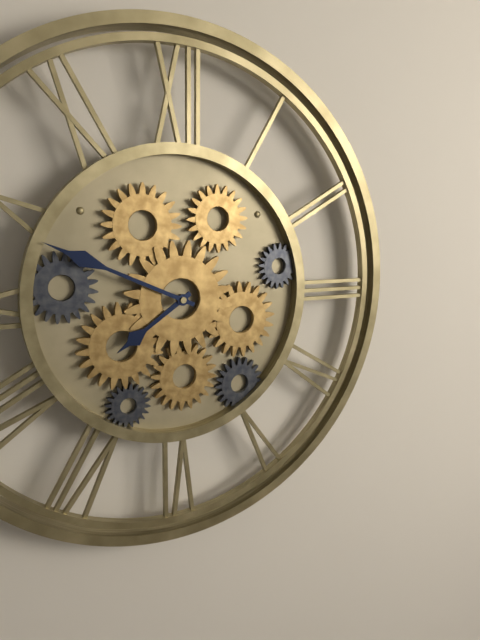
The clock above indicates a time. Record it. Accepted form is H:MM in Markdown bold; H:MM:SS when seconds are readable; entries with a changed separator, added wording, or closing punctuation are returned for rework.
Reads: **7:49**
